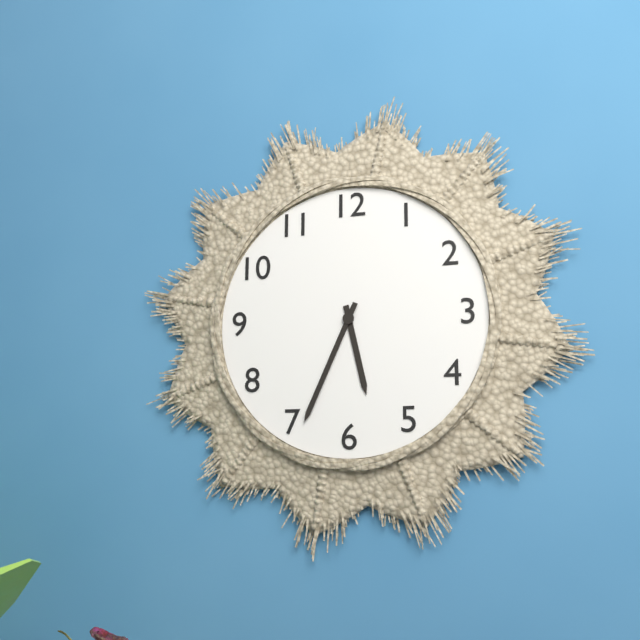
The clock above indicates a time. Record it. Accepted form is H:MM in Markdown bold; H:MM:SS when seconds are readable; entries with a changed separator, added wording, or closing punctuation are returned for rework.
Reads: **5:34**
